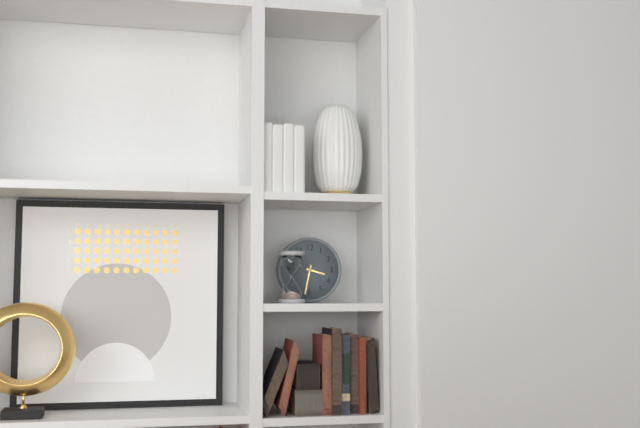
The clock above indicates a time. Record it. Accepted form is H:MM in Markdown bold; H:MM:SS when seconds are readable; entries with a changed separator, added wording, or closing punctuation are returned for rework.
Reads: **3:32**
